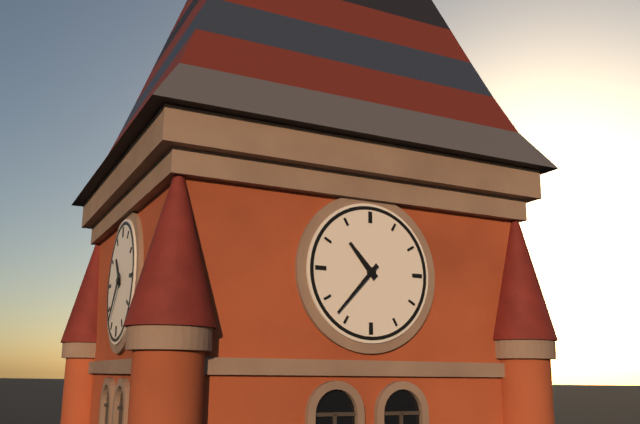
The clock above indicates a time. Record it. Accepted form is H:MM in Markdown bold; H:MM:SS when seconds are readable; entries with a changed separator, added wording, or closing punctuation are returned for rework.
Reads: **10:37**
